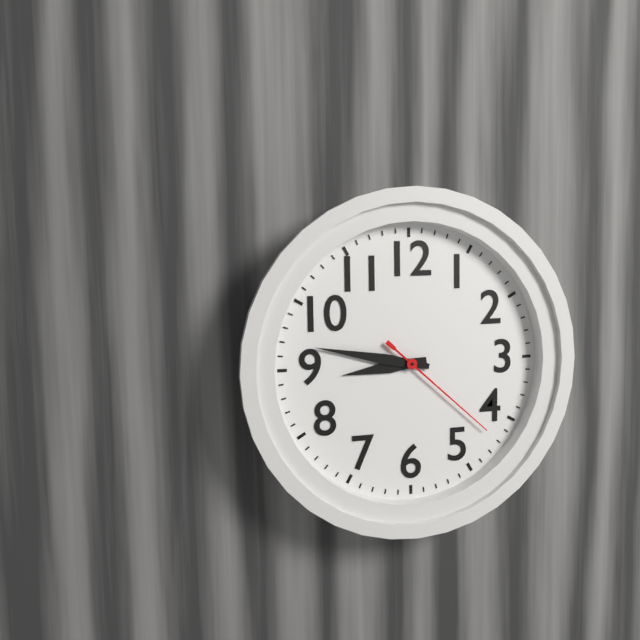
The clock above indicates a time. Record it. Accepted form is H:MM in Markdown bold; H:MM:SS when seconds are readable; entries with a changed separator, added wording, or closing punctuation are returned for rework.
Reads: **8:47:22**
